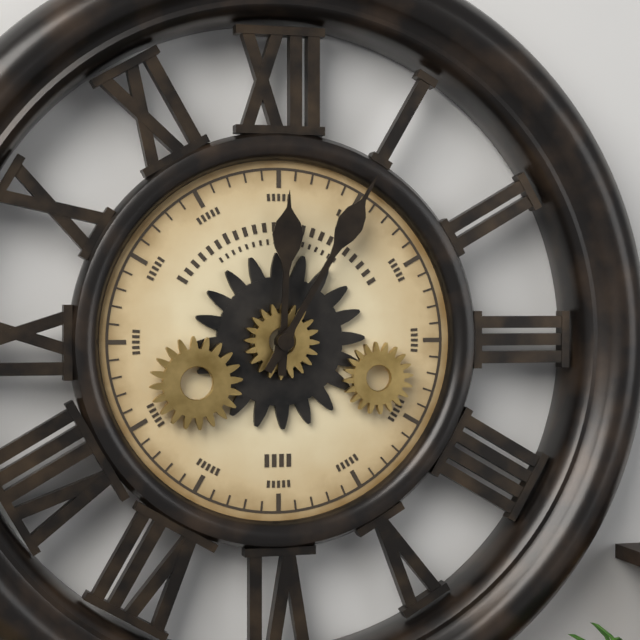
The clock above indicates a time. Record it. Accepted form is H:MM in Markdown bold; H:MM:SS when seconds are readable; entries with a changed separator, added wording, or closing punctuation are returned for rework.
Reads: **12:05**
